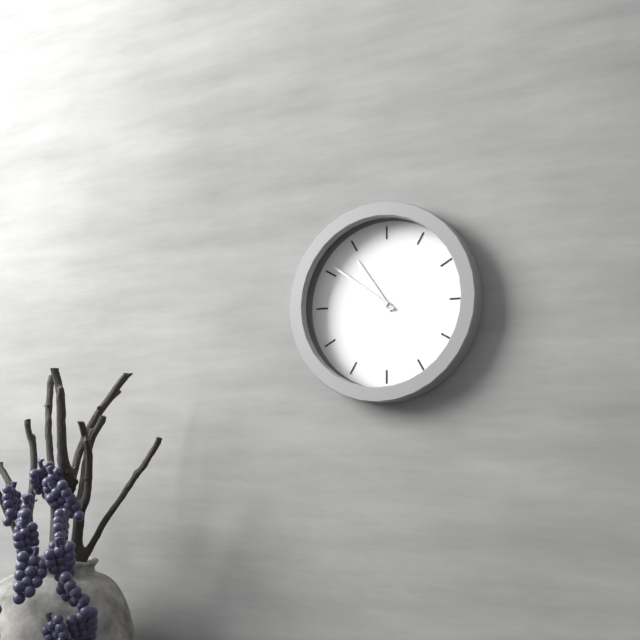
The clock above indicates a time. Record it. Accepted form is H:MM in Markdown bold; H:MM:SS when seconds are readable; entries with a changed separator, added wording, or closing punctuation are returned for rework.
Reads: **10:51**
